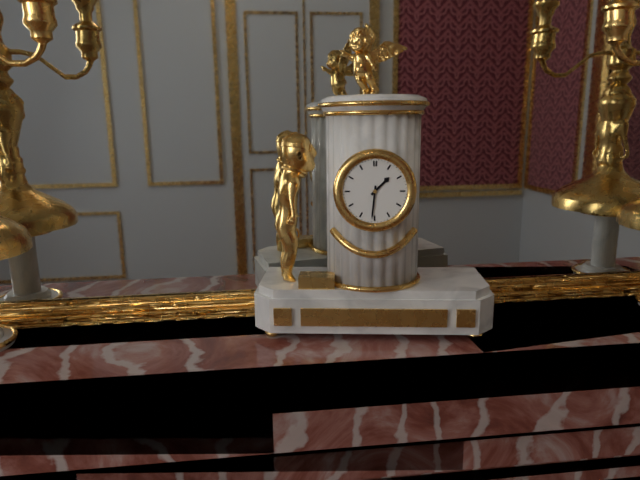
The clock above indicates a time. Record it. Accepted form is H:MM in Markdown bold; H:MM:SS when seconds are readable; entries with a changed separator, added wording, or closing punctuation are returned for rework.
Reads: **1:31**
